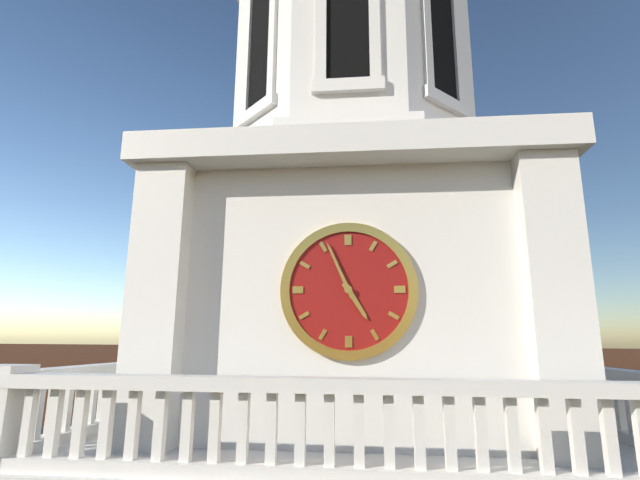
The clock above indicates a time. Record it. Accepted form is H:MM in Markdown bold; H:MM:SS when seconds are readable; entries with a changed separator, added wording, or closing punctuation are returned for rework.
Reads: **4:56**
